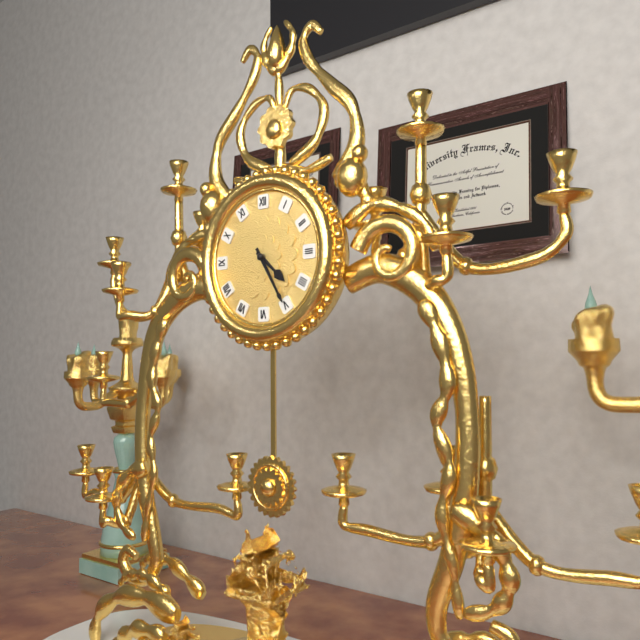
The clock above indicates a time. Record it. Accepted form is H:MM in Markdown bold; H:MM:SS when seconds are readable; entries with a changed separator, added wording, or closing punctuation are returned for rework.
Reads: **4:25**
